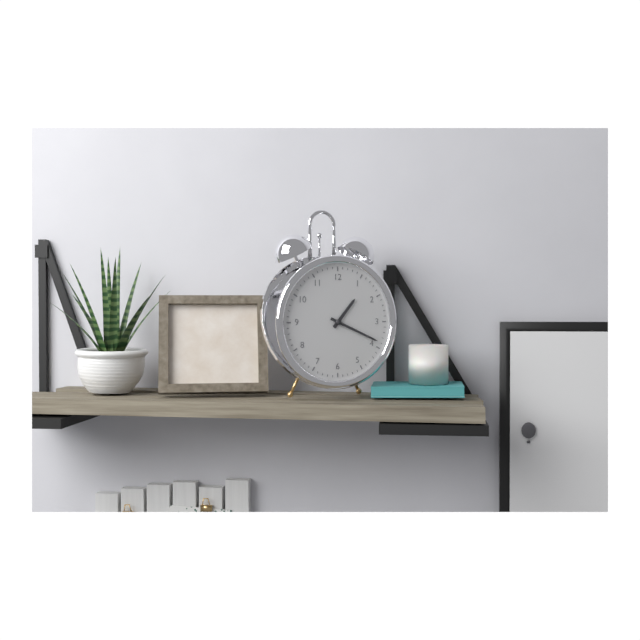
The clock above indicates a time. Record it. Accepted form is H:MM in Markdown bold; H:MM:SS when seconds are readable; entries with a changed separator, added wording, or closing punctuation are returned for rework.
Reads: **1:19**
